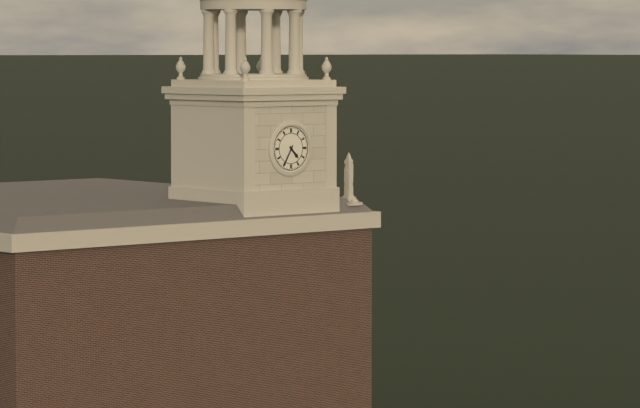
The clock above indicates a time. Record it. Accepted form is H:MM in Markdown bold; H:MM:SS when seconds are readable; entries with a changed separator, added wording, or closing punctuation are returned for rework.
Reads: **4:35**
